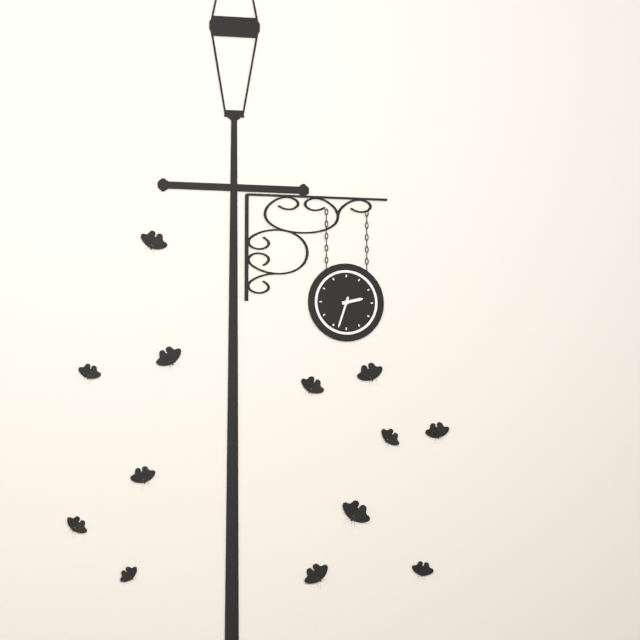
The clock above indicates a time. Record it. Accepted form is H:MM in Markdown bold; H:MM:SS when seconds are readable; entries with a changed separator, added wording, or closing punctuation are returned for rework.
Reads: **2:33**
